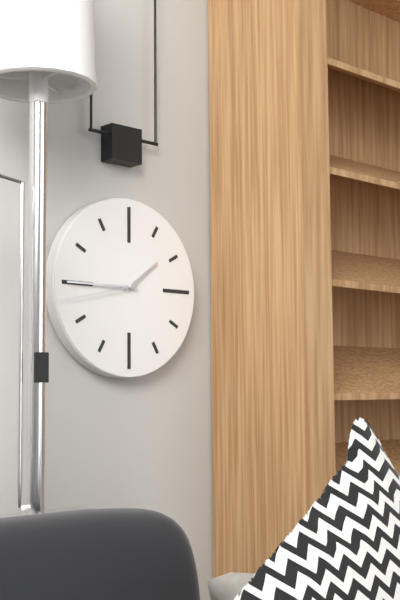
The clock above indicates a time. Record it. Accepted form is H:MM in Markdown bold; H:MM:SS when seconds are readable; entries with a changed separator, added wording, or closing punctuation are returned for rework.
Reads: **1:45:43**
